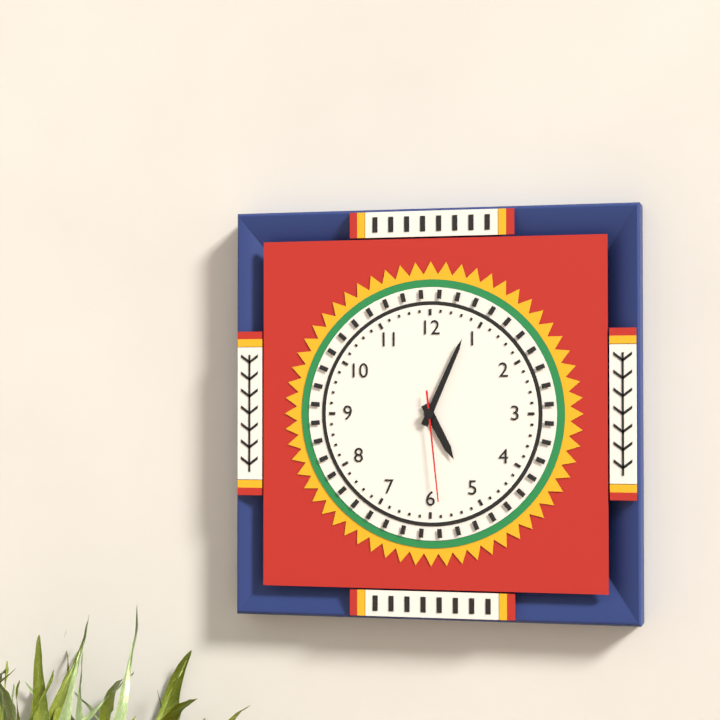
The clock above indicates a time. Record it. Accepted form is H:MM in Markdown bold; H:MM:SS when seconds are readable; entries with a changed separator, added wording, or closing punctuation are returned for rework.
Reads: **5:04:29**
